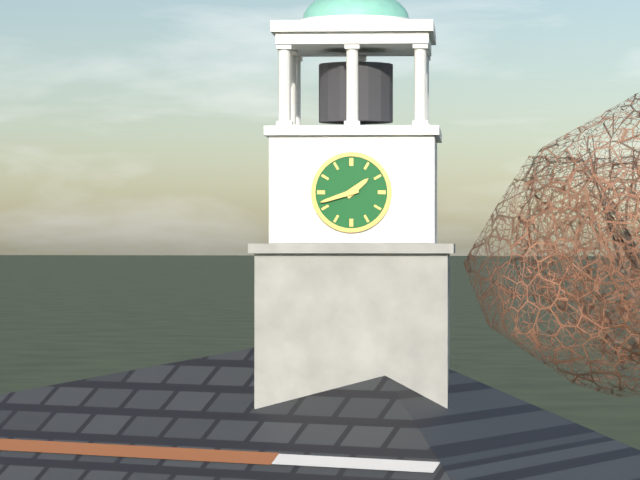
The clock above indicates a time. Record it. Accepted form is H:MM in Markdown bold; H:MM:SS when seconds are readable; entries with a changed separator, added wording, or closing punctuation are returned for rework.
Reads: **1:42**
